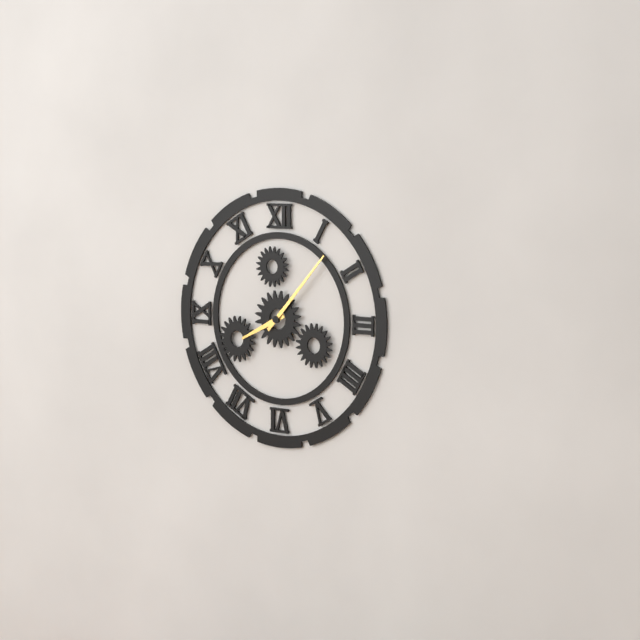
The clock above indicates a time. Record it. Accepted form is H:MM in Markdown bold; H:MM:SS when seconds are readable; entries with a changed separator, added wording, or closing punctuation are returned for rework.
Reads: **8:07**
